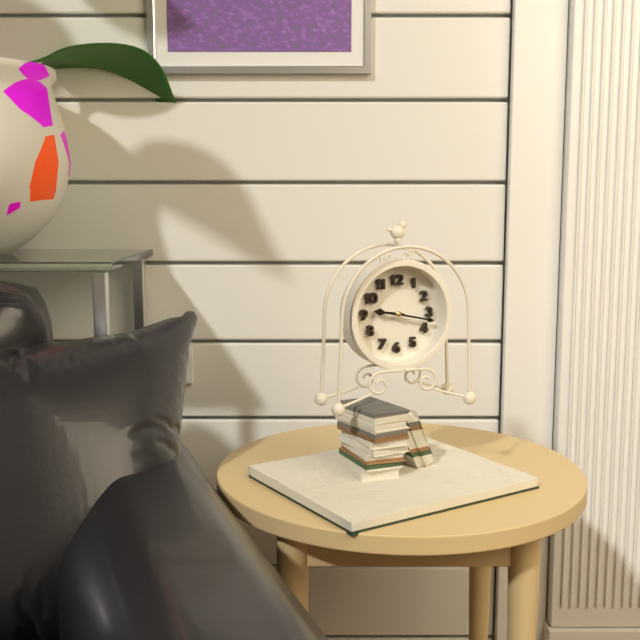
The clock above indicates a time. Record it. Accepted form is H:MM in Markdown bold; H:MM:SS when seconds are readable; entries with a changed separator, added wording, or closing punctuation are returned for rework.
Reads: **9:17**
